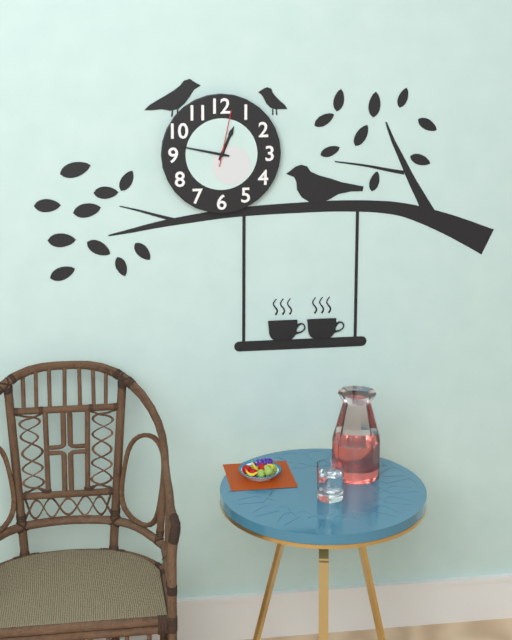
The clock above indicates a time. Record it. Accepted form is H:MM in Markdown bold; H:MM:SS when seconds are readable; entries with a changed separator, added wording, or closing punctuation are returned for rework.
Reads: **12:47:02**
